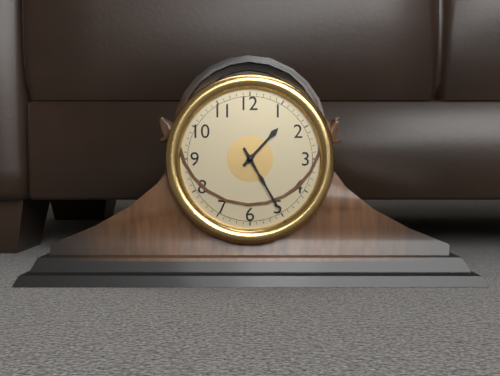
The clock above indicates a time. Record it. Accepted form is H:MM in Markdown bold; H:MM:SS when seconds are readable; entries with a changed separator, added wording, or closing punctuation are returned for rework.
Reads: **1:25**
